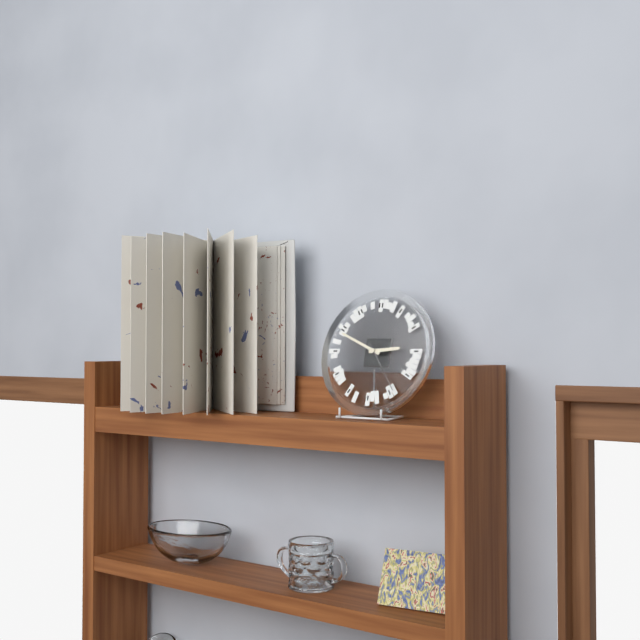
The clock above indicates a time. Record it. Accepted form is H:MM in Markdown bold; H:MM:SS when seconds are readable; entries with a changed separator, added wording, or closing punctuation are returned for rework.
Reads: **2:49:24**
